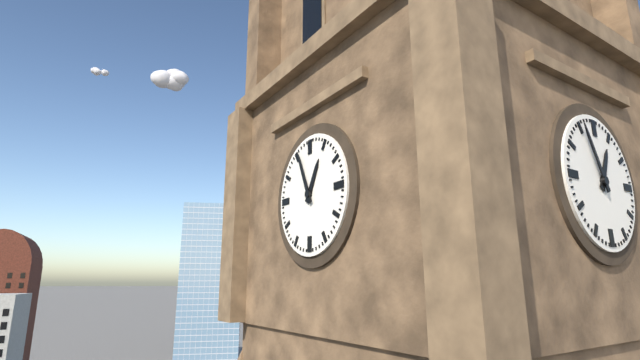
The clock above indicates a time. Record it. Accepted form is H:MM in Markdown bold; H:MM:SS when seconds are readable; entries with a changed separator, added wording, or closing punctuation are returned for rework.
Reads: **12:56**
